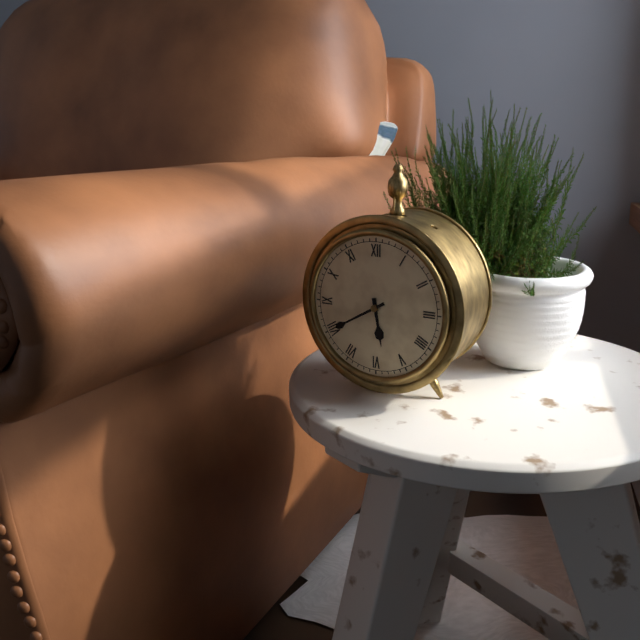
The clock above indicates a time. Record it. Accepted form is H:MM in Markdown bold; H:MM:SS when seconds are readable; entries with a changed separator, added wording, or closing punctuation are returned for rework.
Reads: **5:40**
